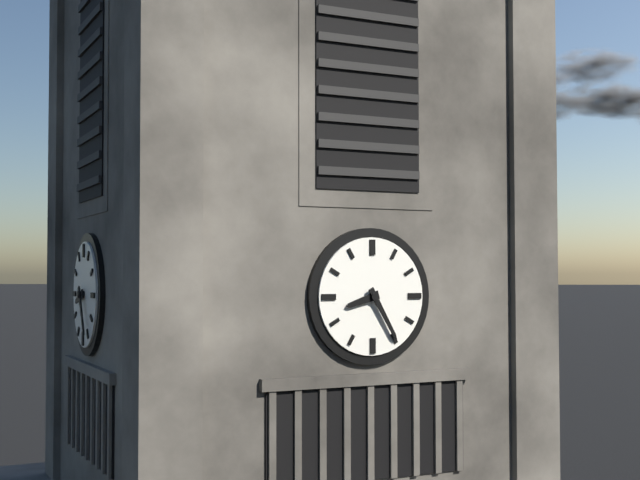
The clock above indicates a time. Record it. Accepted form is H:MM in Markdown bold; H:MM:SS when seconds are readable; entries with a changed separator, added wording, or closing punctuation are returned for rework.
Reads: **8:25**
